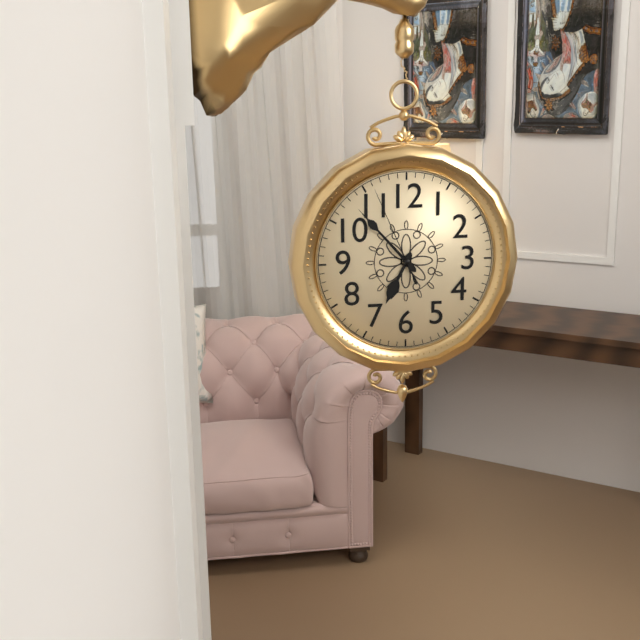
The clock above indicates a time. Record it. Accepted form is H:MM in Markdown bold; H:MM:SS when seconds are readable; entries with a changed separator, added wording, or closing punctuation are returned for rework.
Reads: **6:53:56**
